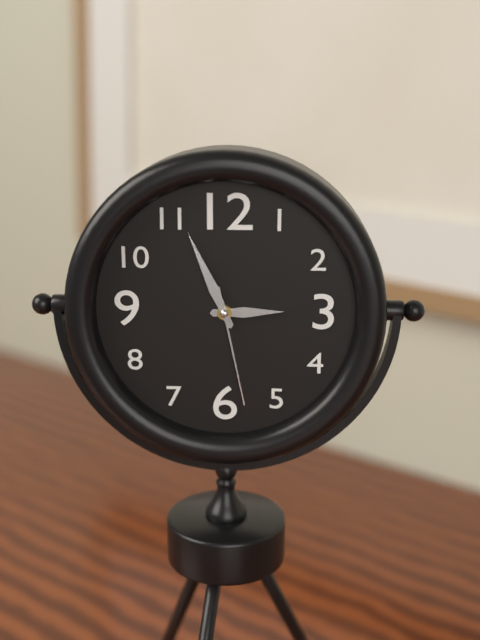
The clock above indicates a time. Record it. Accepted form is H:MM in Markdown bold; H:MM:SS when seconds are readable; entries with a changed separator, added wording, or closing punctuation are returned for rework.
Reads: **2:56:28**
